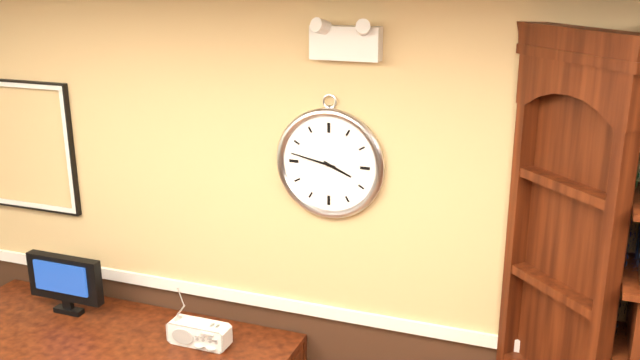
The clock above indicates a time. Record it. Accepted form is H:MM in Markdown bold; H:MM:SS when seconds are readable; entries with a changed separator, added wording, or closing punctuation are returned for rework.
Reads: **3:47**
